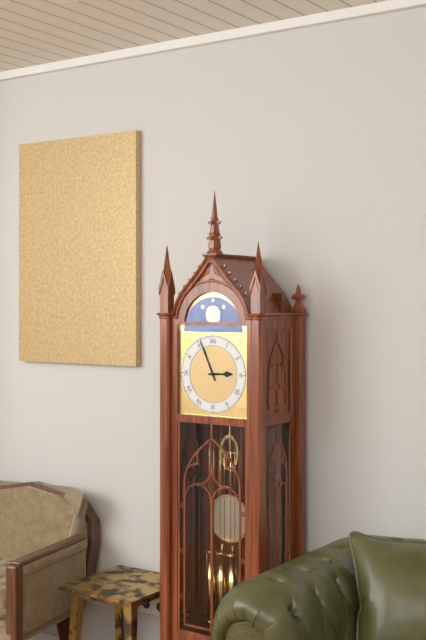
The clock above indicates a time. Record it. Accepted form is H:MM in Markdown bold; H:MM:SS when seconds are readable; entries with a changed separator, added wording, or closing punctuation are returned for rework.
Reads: **2:56**
